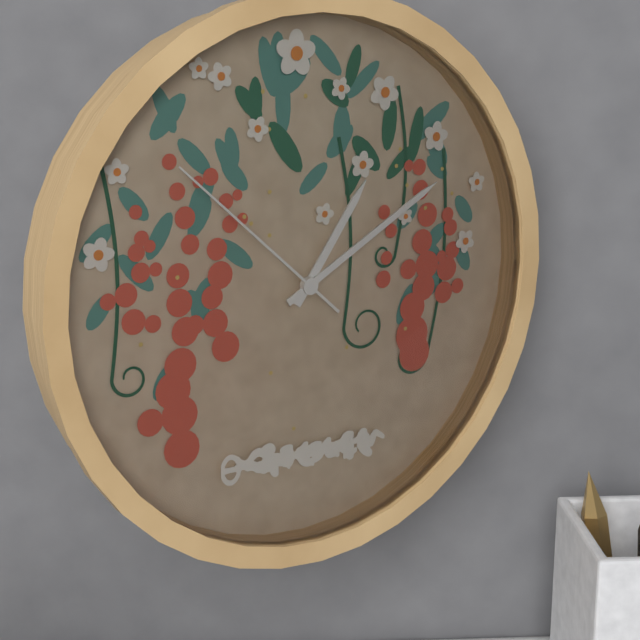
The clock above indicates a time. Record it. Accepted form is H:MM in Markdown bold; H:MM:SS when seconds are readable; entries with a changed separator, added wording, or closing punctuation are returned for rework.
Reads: **1:10:52**
